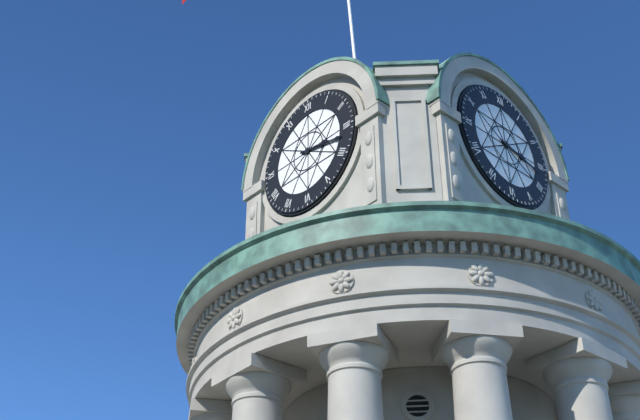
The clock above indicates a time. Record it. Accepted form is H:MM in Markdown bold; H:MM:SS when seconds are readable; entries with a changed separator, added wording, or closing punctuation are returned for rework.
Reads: **3:17**
